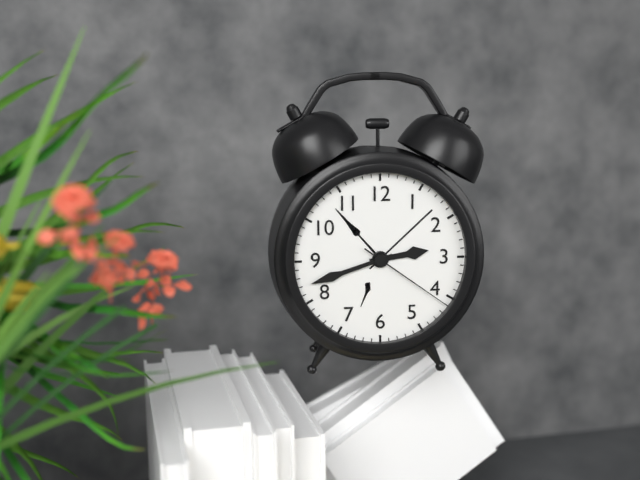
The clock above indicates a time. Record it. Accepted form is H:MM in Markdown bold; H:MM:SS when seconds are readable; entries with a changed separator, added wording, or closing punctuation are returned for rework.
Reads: **2:42:21**
